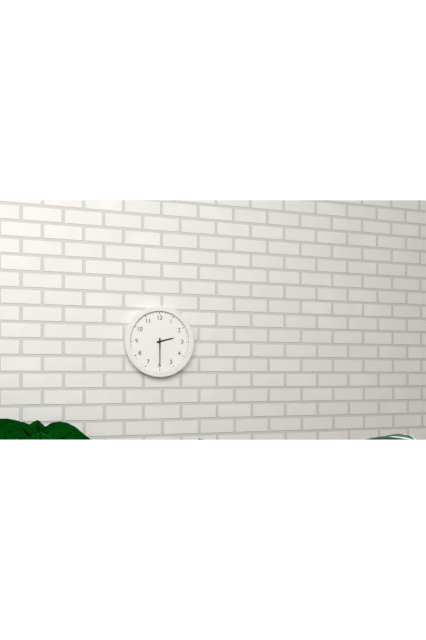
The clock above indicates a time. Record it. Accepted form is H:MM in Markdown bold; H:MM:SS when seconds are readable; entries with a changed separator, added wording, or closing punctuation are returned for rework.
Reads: **2:30**
